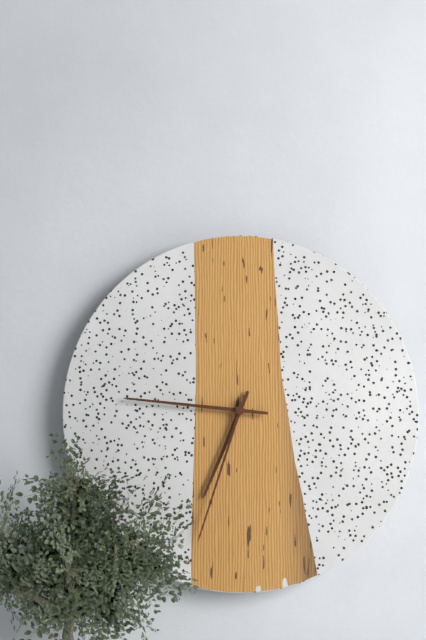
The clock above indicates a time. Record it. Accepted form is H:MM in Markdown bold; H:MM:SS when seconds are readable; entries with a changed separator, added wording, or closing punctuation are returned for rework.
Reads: **6:46:33**
